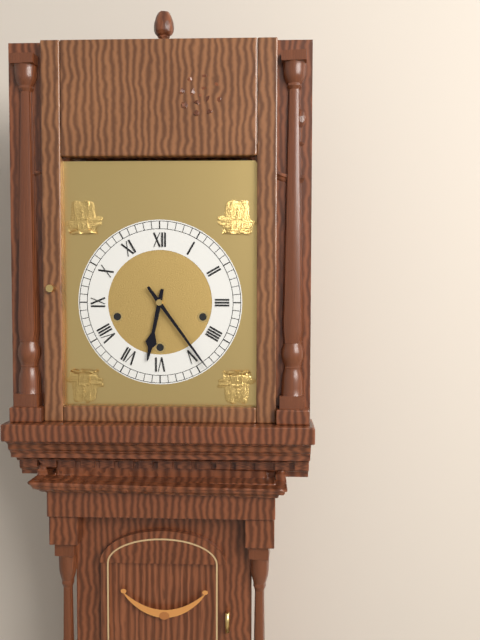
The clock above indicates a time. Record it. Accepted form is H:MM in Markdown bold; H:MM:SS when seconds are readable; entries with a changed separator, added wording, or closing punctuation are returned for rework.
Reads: **6:24**
